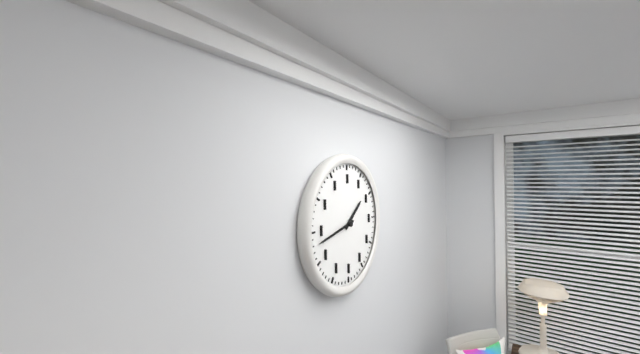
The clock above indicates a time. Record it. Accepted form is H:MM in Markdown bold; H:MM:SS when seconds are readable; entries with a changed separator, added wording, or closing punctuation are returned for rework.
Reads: **1:43**
